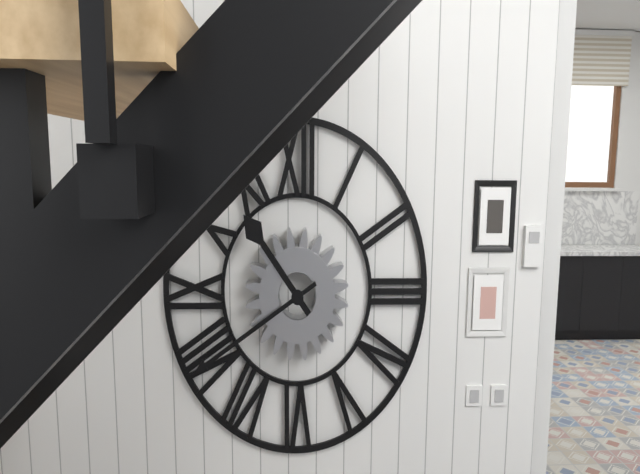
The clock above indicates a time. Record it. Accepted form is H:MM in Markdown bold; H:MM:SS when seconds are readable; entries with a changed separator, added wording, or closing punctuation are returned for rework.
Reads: **10:40**
